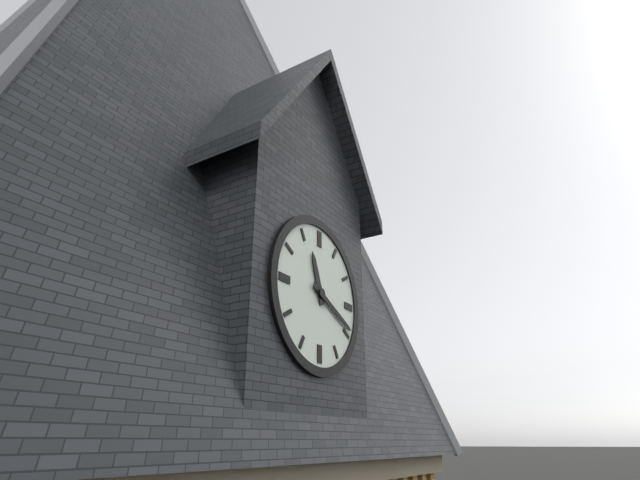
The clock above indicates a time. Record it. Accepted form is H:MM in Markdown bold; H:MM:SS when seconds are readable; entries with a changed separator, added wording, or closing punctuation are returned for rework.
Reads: **11:19**
